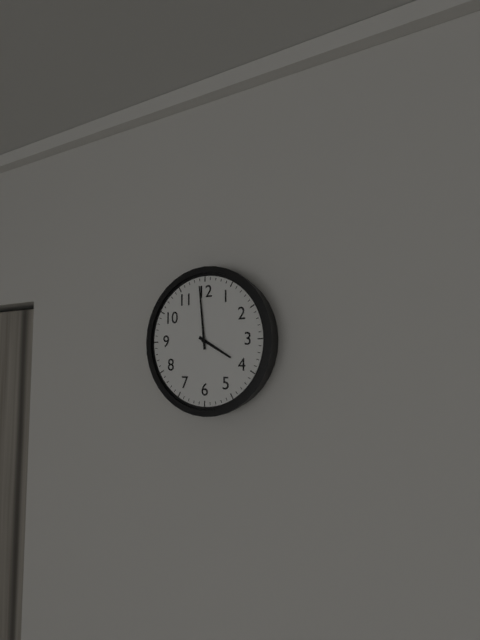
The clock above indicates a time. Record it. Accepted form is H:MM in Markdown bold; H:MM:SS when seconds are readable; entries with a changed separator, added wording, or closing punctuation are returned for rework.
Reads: **3:59**
